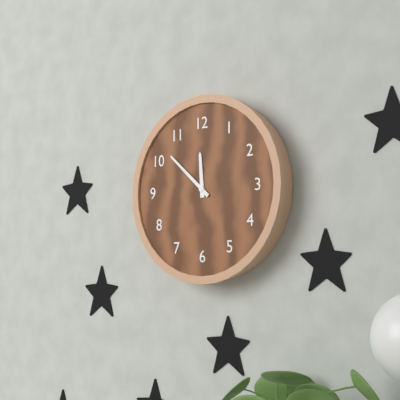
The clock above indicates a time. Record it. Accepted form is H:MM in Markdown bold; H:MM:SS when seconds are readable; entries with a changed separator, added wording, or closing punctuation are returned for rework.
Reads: **11:52**
